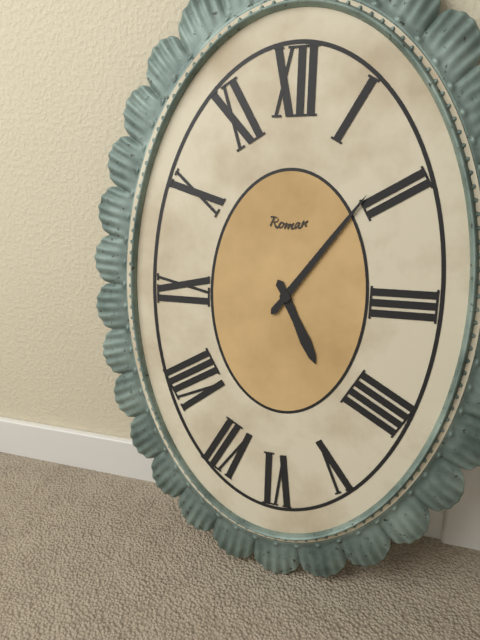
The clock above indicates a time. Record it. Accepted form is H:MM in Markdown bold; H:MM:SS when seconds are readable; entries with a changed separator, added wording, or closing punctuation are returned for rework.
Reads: **5:06**
